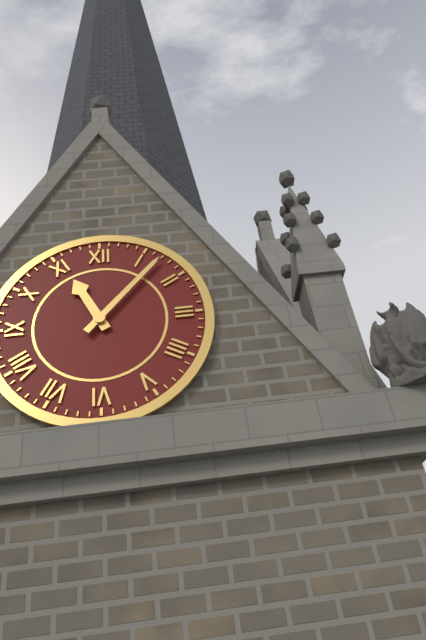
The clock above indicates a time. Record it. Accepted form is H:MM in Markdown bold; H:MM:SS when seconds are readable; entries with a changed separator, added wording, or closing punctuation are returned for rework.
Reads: **11:07**
